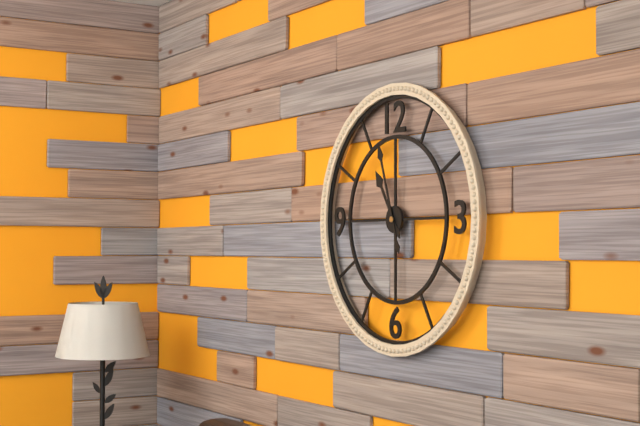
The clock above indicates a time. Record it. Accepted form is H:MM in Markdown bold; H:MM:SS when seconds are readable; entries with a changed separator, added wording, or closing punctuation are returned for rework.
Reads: **10:57**
